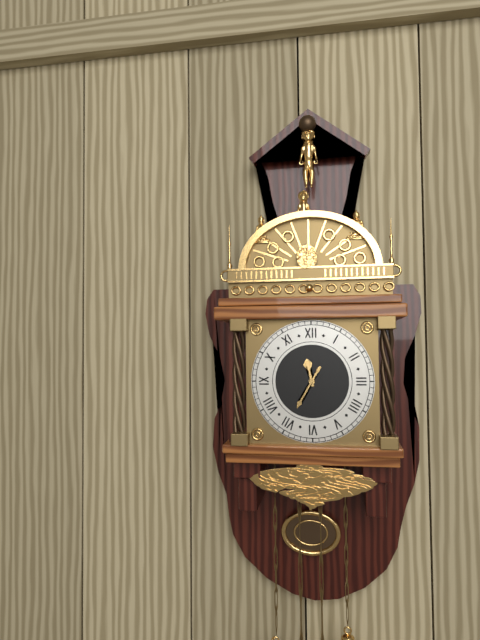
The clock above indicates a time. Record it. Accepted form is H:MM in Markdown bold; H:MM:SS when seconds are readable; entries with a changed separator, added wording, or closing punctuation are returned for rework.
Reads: **11:35**
